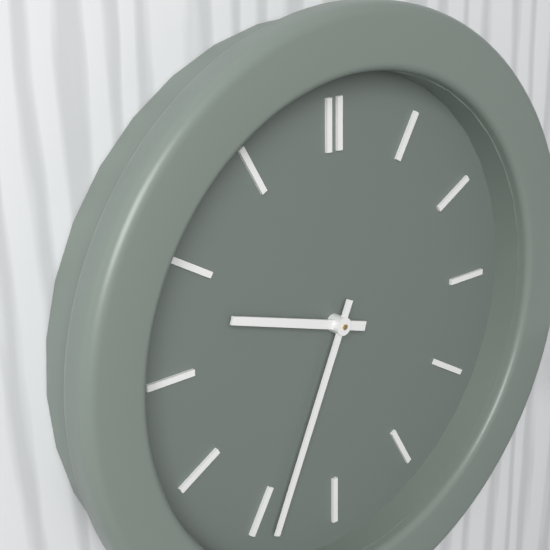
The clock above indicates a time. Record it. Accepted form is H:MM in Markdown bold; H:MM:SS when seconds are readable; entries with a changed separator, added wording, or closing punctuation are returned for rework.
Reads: **9:34**
